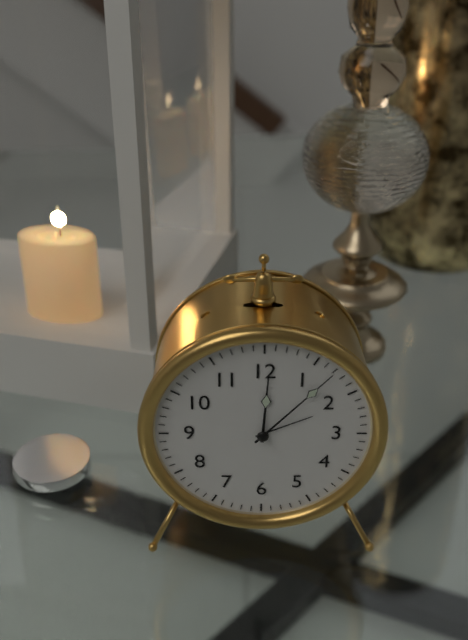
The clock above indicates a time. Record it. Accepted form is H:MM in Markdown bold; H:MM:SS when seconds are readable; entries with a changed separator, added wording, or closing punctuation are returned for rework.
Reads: **12:07**
